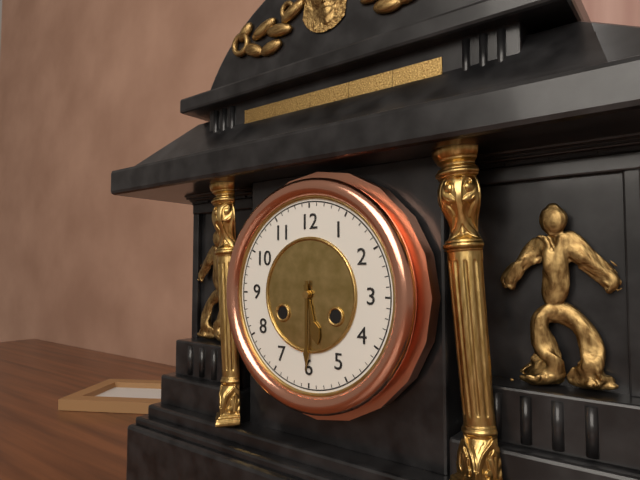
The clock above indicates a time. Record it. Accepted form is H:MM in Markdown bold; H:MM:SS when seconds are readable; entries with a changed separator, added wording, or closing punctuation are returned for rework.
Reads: **5:30**
